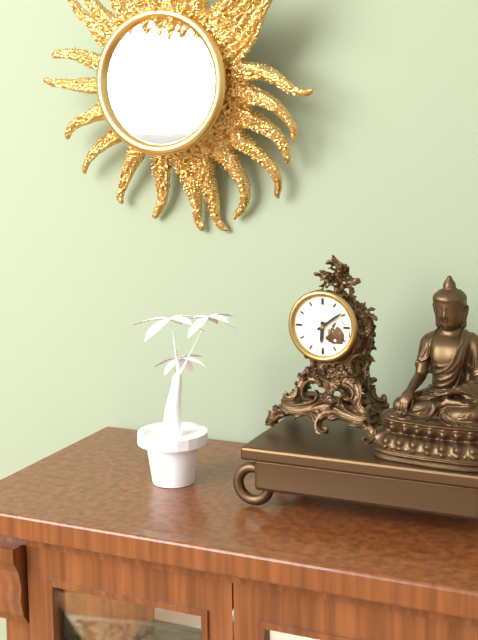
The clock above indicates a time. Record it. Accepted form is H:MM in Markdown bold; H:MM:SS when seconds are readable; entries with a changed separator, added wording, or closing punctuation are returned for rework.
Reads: **6:09**
